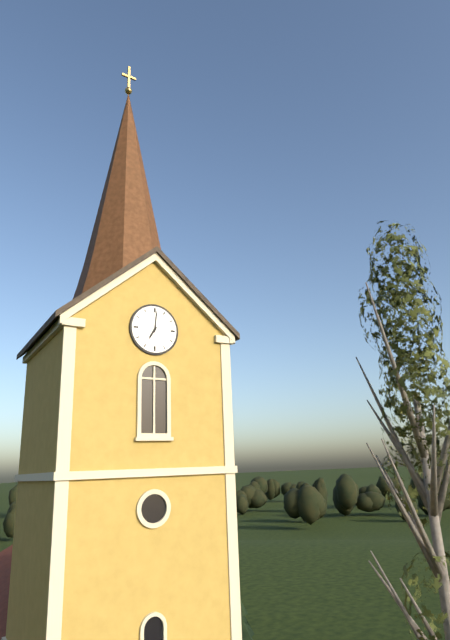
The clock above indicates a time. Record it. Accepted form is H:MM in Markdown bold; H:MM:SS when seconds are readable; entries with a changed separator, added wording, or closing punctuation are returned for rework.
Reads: **7:01**
